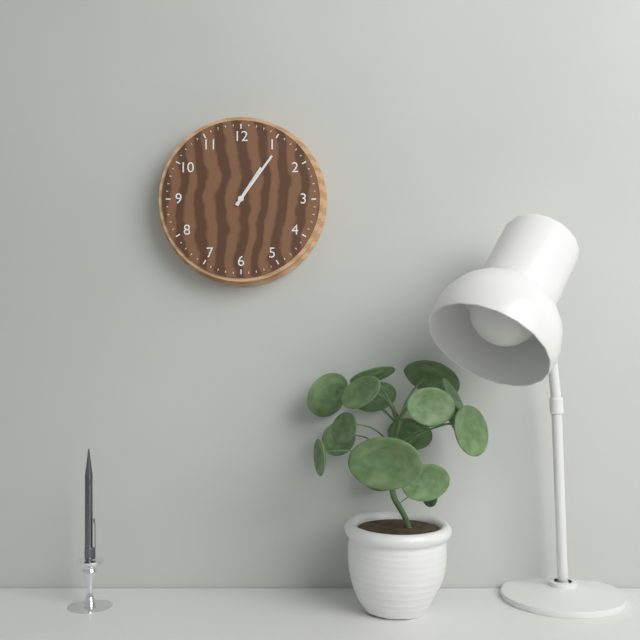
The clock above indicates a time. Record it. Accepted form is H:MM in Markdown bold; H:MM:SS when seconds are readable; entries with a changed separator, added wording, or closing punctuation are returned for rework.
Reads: **1:06**
